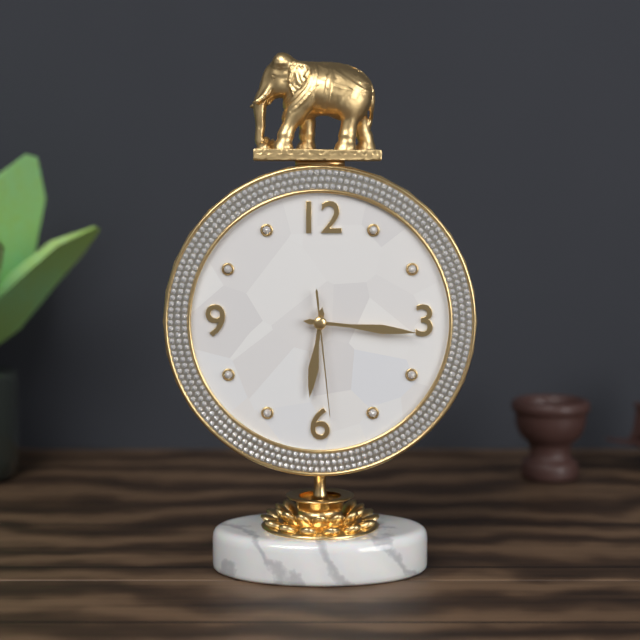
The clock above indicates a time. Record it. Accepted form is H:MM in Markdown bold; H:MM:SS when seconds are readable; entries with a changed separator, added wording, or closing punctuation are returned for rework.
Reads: **6:16:29**
